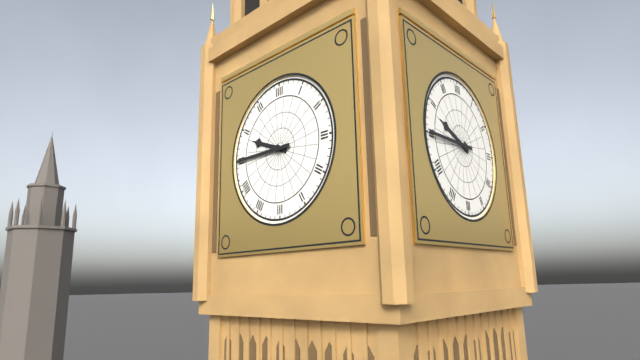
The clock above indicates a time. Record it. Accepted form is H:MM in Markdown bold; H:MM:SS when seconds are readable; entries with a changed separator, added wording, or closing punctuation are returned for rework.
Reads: **9:45**
